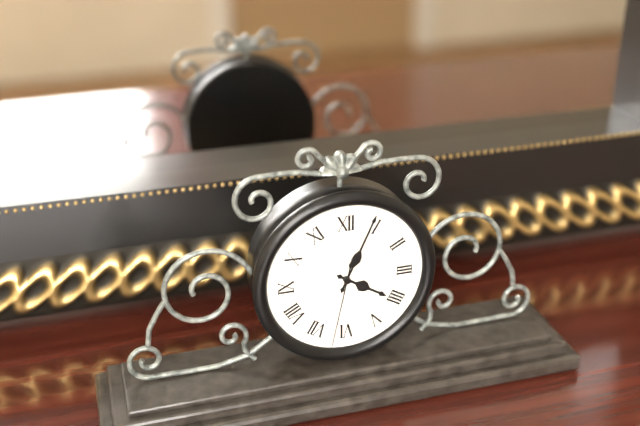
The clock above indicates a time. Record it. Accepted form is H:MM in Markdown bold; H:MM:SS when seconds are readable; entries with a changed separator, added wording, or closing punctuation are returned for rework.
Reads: **4:04:32**
